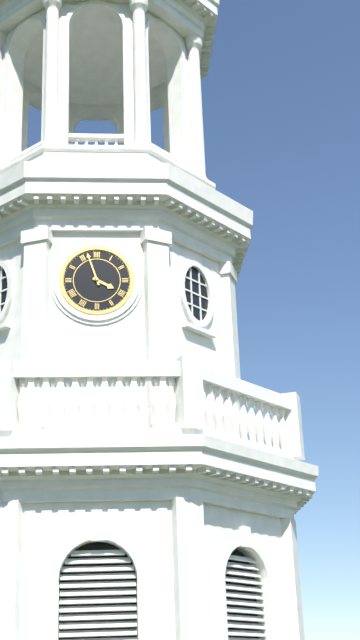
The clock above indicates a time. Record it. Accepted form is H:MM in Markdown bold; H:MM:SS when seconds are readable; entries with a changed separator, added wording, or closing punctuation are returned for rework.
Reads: **3:57**
